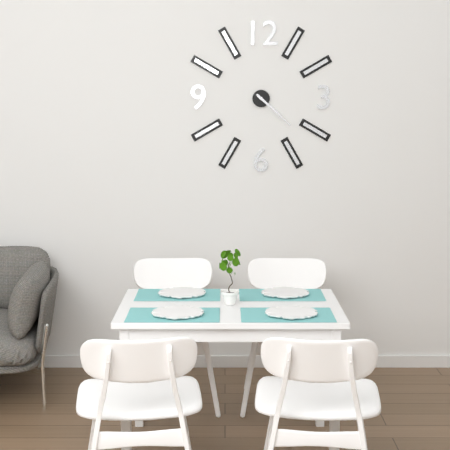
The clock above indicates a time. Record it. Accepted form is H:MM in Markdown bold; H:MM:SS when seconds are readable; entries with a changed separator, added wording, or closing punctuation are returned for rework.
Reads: **4:22**
